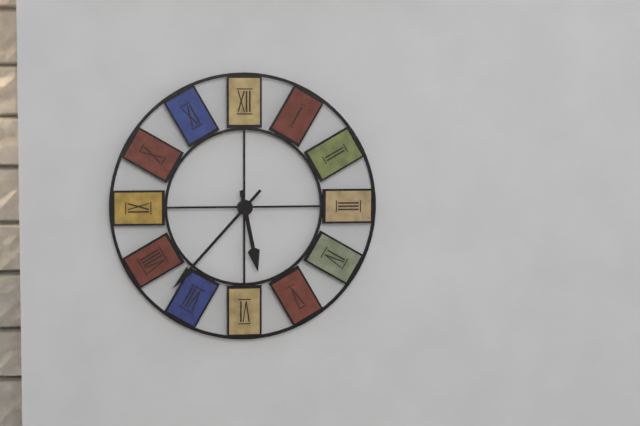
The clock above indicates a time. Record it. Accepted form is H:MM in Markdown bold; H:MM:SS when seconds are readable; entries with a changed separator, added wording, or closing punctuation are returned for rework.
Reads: **5:37**
